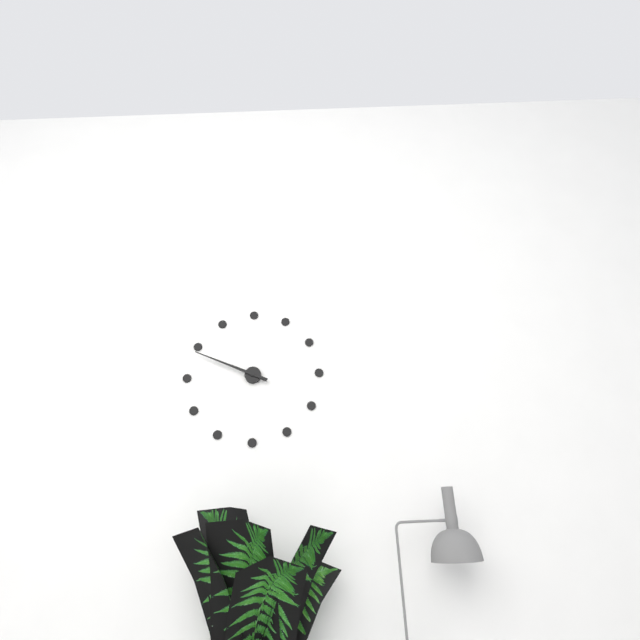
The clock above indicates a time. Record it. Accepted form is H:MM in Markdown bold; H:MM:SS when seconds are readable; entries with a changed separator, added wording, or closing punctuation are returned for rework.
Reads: **9:49**
